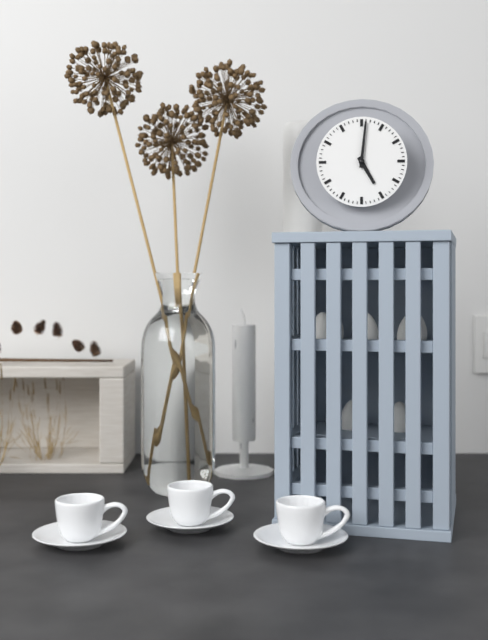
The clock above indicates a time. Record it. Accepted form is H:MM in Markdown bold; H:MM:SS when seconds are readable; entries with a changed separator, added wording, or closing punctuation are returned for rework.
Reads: **5:01**
